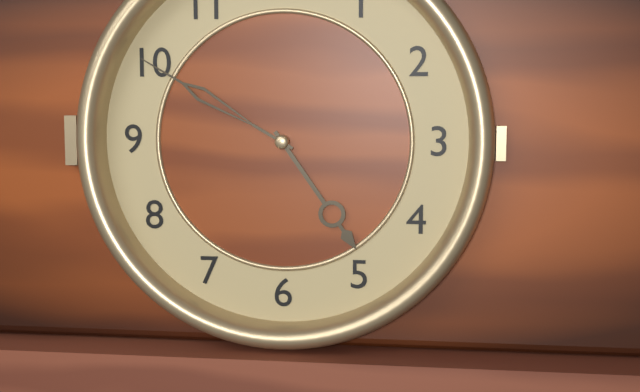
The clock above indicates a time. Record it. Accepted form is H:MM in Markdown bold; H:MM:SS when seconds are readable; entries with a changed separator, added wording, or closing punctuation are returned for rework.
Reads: **4:50**
